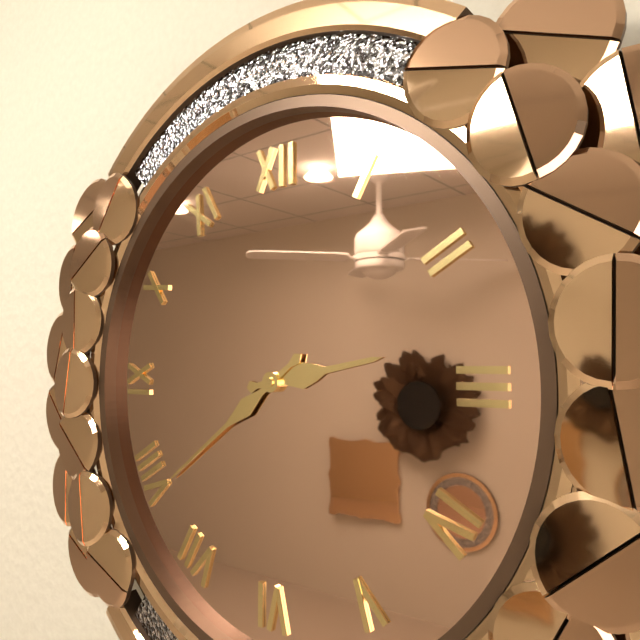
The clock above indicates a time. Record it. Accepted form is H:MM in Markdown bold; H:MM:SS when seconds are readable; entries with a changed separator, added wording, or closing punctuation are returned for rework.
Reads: **2:39**
